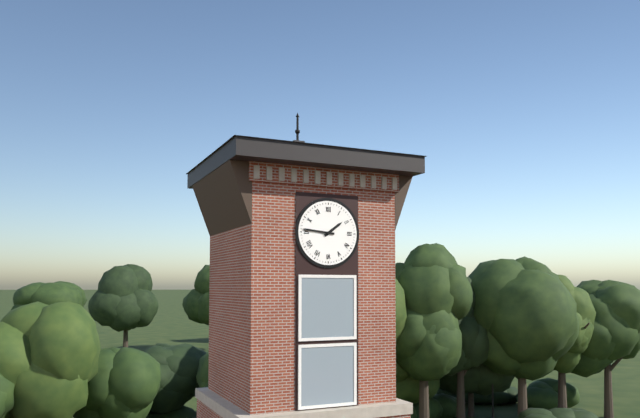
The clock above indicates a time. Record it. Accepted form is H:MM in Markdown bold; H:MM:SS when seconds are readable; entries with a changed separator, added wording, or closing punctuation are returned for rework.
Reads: **1:46**
